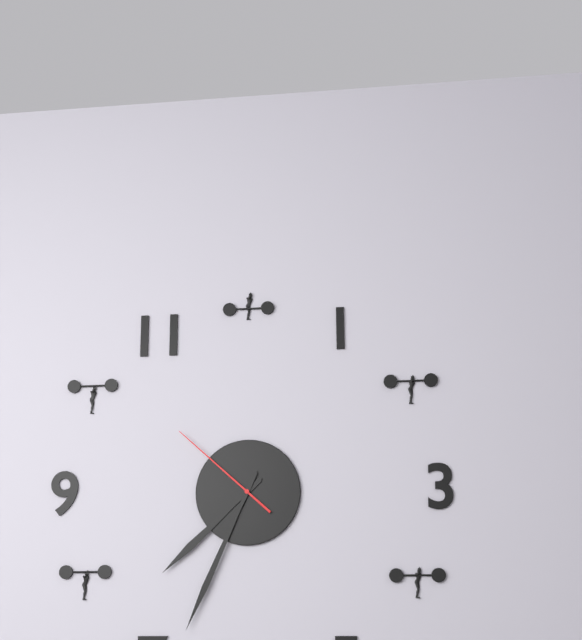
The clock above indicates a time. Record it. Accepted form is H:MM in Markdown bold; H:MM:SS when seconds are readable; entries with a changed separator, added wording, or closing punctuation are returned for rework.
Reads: **7:34:52**
